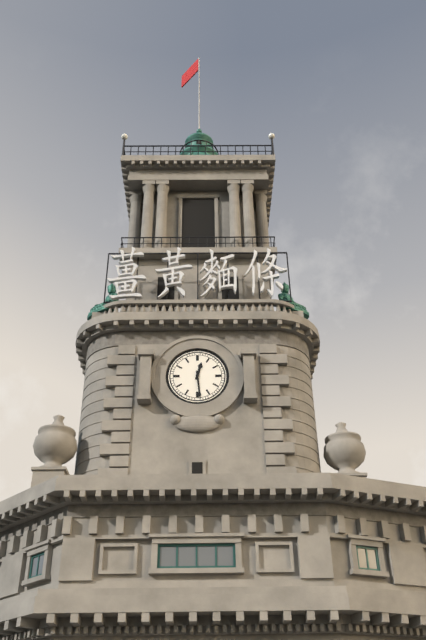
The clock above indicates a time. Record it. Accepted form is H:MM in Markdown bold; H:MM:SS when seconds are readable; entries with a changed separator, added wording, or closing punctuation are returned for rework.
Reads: **12:29**
